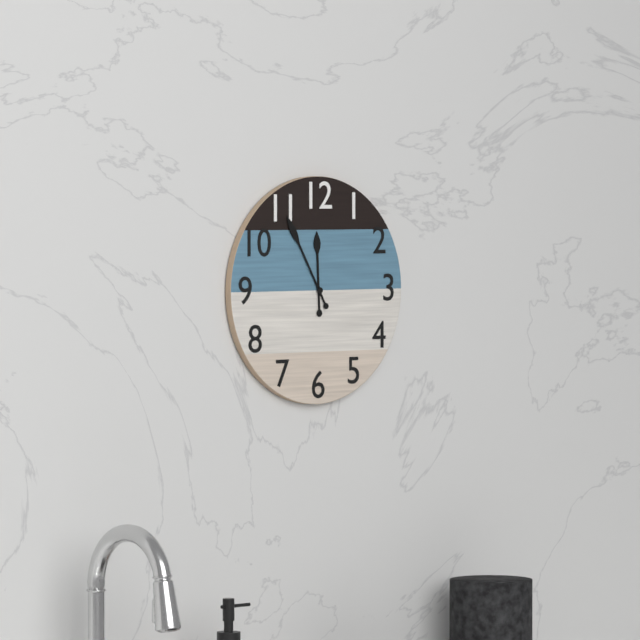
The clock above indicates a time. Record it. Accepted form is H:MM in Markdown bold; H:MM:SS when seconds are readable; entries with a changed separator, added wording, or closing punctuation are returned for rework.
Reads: **11:55**
